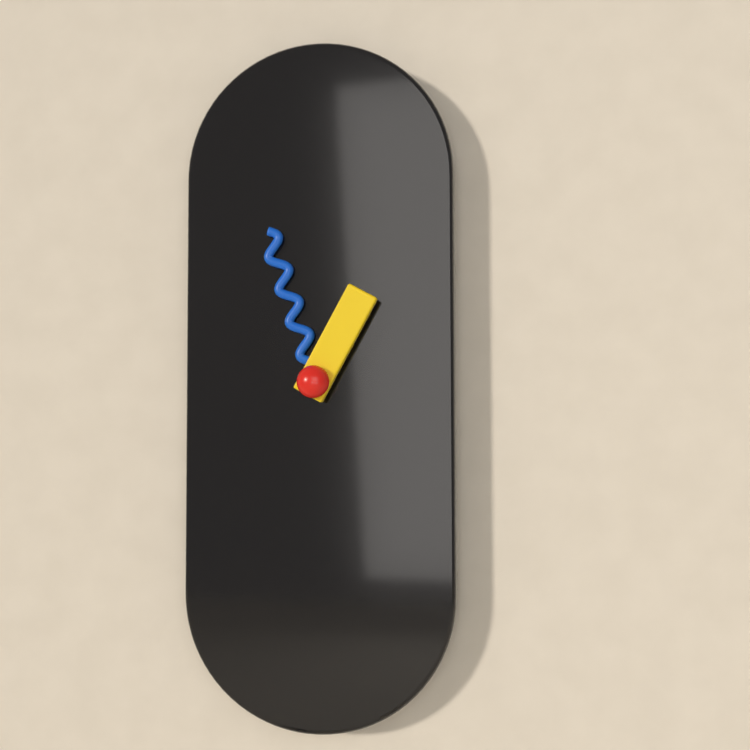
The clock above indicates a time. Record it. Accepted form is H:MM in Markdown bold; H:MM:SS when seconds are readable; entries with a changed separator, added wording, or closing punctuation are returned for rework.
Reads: **12:57**
